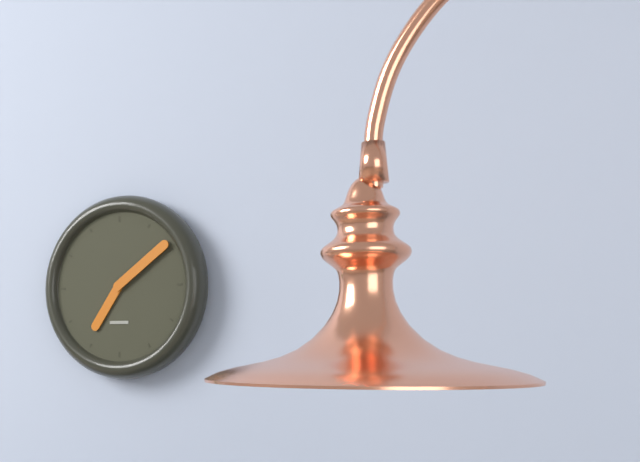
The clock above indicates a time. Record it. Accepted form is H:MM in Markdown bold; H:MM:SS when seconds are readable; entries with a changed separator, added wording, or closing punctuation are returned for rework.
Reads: **7:09**
